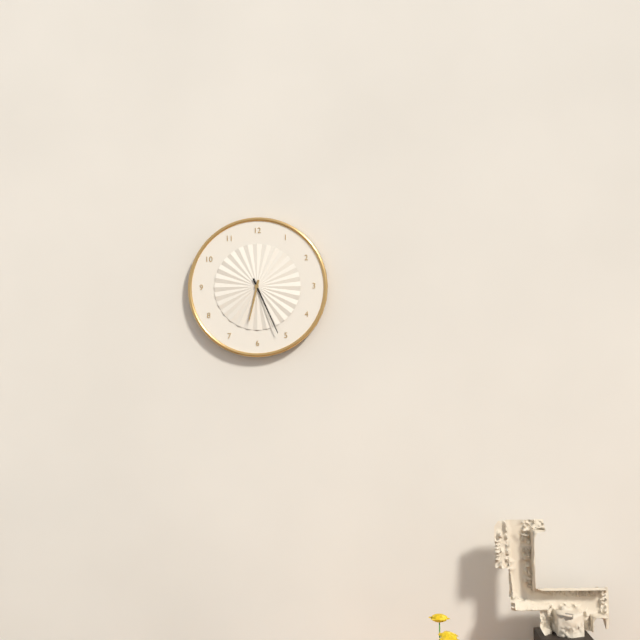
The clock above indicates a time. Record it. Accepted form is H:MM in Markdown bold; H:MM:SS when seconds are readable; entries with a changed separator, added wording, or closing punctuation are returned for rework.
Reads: **6:26**
